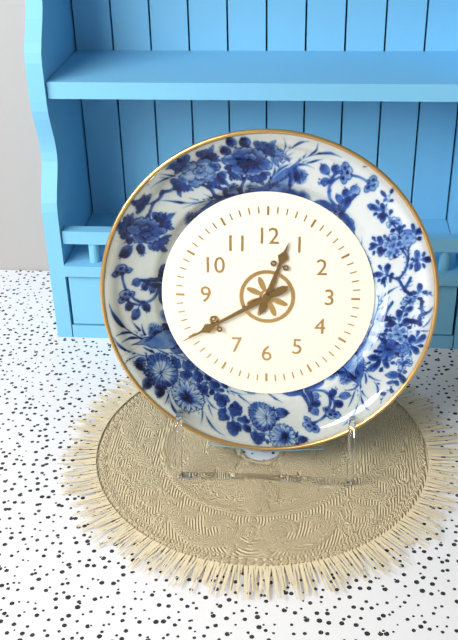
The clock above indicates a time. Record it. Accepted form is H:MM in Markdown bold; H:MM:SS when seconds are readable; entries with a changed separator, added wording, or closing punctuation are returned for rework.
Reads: **12:40**
